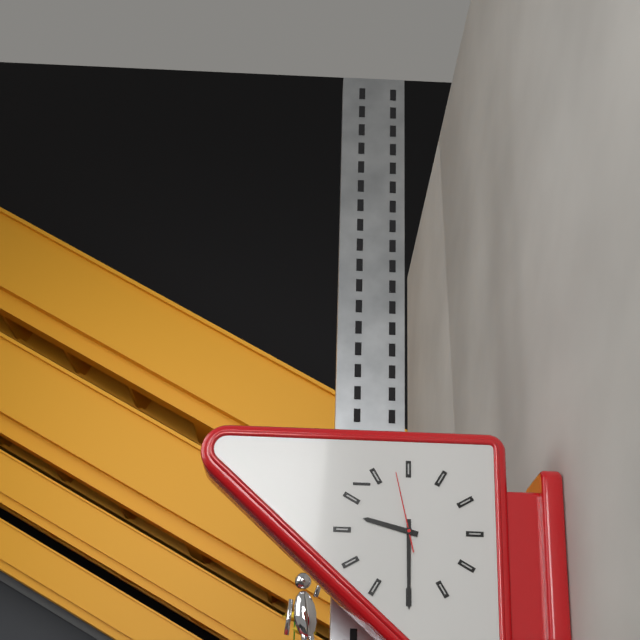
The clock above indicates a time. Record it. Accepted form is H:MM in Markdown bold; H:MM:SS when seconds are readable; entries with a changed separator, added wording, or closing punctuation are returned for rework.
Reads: **9:30:58**
